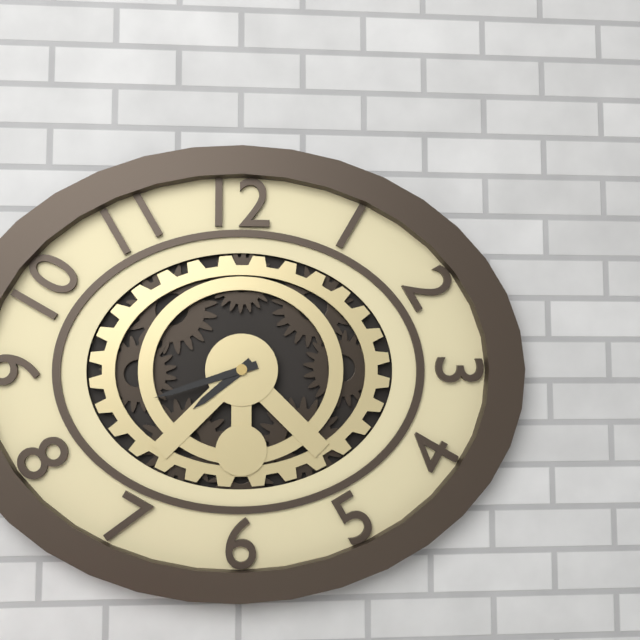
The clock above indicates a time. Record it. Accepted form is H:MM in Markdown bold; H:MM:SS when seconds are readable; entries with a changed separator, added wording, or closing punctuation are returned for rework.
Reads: **7:42**
